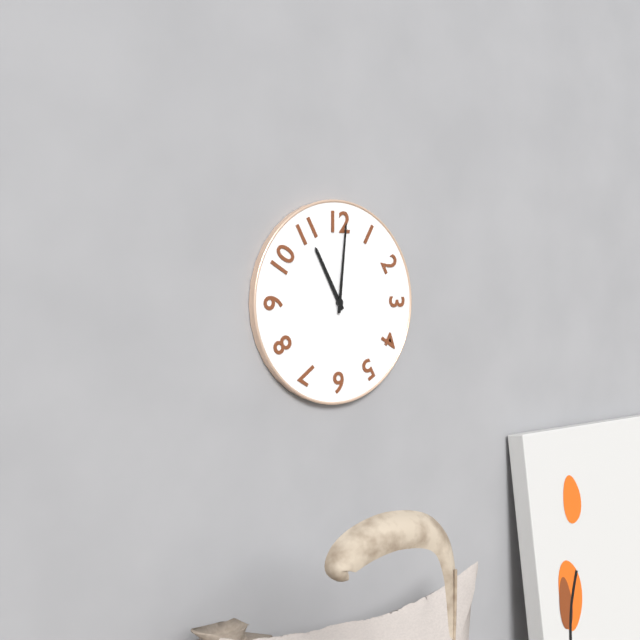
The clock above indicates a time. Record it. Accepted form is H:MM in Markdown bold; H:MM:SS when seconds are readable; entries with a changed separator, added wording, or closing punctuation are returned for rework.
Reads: **11:01**
